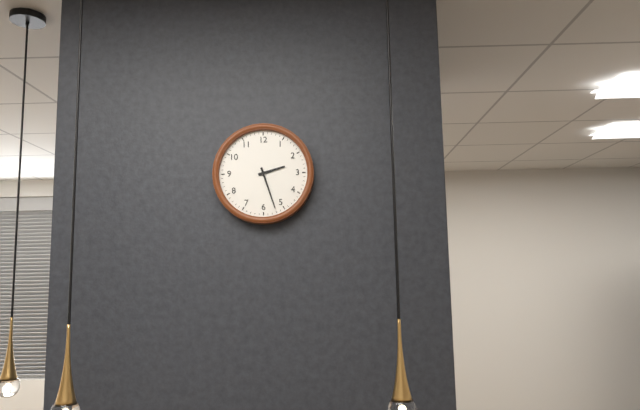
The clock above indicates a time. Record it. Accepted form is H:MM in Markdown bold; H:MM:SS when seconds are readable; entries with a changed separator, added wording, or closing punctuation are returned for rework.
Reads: **2:27**
